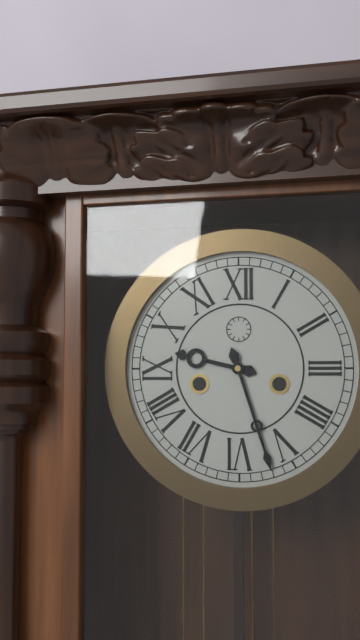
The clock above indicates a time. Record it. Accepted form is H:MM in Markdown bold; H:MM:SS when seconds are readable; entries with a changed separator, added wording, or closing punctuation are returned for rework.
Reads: **9:27**
